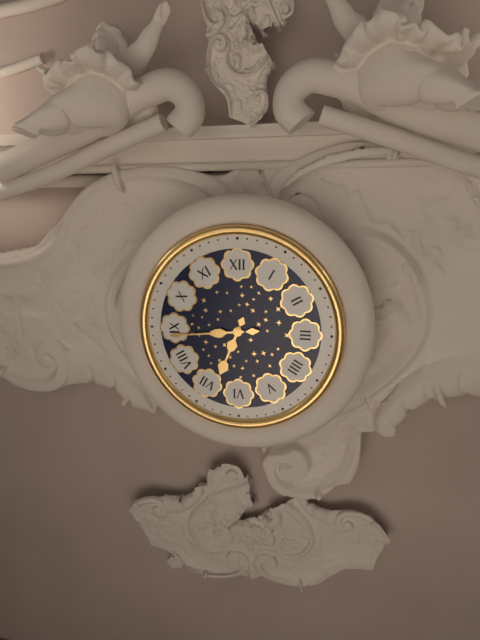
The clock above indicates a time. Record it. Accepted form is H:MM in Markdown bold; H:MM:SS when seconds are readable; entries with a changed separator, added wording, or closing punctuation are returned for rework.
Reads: **6:44**
